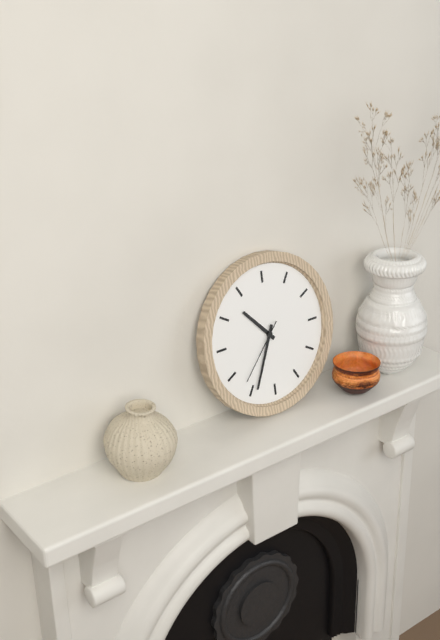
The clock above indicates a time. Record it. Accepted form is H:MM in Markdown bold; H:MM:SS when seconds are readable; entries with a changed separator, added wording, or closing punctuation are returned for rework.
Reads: **10:34:37**
